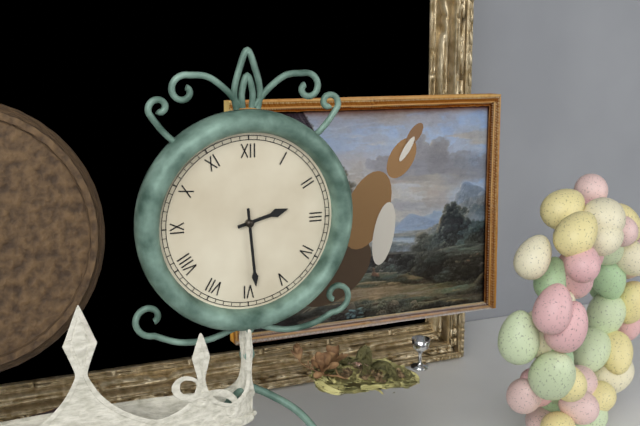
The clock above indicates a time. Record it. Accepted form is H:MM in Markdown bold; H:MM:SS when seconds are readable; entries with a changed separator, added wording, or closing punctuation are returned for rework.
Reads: **2:29**
